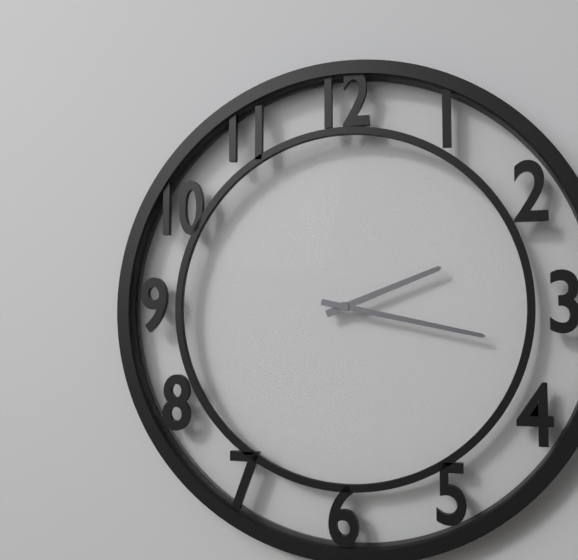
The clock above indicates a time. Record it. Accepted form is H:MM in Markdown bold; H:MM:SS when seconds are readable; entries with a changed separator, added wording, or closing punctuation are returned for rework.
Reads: **2:17**
